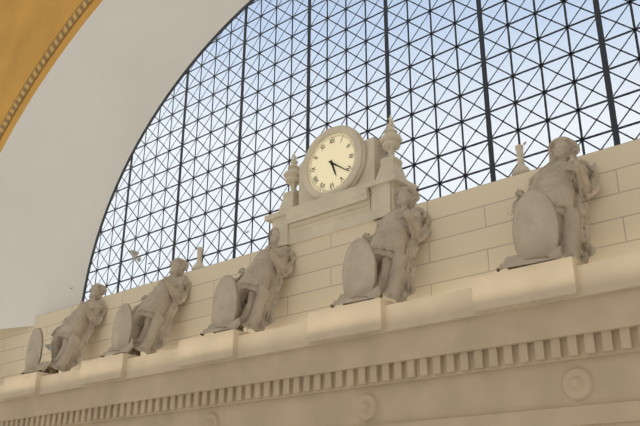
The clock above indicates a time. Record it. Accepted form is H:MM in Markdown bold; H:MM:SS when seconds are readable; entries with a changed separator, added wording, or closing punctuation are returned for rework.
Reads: **5:21**
